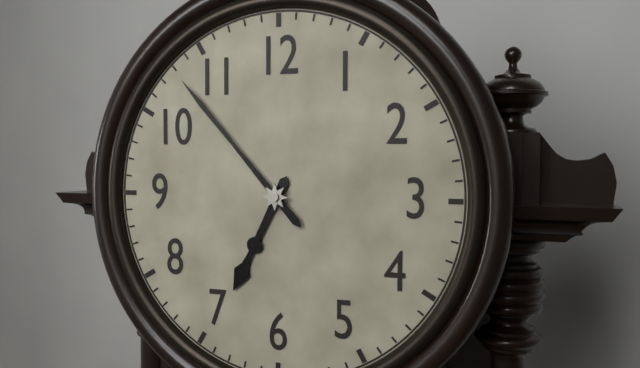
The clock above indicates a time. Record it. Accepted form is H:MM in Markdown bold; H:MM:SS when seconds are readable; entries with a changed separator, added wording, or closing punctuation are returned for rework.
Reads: **6:53**
